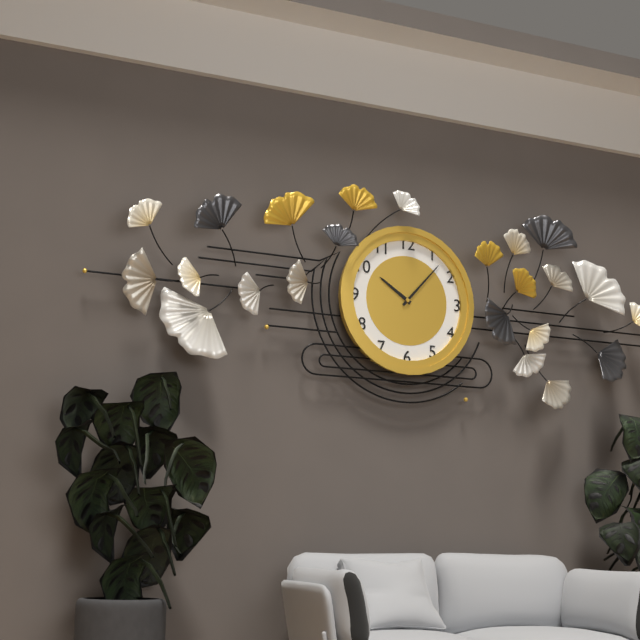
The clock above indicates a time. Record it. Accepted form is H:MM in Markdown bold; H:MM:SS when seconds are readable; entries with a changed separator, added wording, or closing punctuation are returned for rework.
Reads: **10:07**
